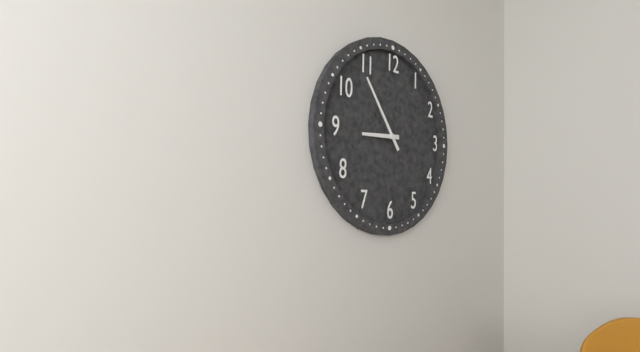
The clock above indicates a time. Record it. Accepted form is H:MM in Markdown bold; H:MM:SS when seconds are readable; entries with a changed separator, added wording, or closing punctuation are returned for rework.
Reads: **8:54**
